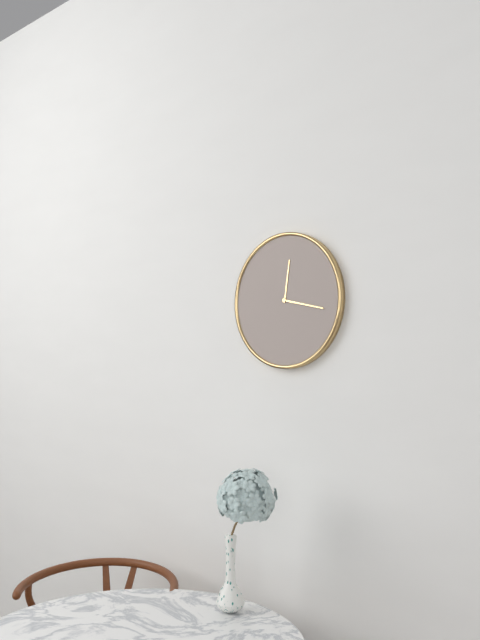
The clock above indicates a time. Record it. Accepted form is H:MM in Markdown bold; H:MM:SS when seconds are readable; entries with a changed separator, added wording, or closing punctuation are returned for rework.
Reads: **12:17**
